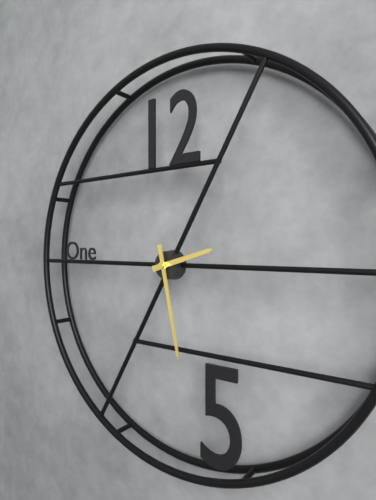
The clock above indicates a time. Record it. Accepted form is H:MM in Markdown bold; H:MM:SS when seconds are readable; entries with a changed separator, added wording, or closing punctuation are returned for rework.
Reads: **2:28**
